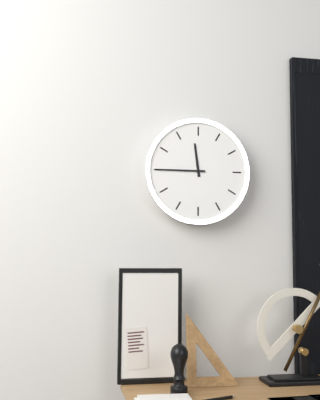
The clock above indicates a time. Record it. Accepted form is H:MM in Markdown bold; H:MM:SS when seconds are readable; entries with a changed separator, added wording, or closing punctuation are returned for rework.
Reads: **11:45**
